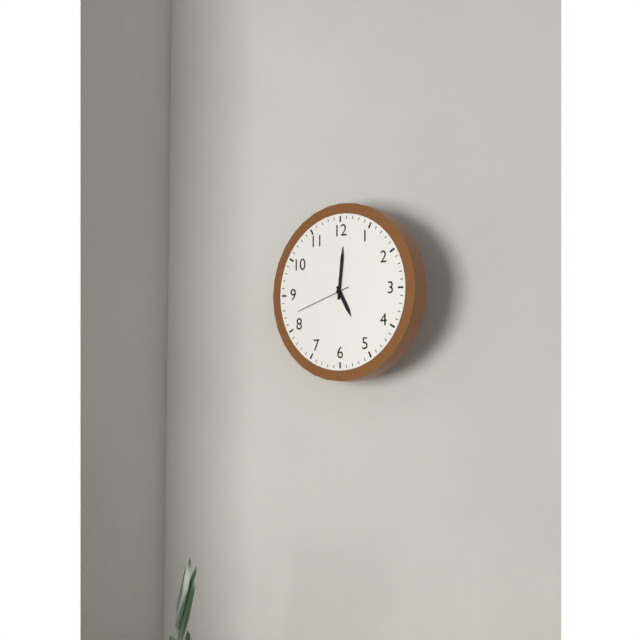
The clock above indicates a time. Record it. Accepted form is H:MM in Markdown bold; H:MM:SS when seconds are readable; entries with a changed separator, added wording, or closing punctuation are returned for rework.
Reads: **5:01:42**
